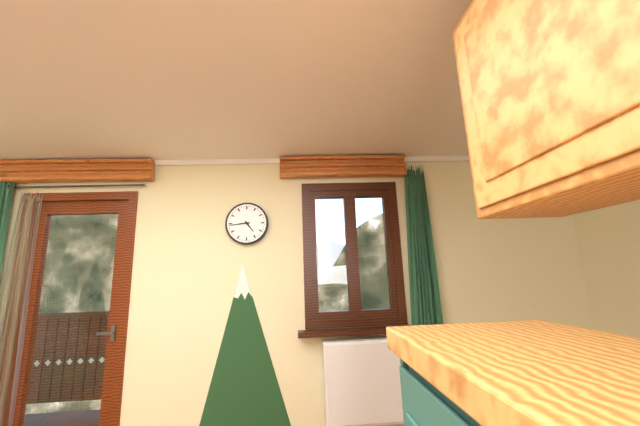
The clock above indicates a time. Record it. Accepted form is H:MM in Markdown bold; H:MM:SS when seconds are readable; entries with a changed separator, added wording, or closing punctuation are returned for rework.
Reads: **4:44**
